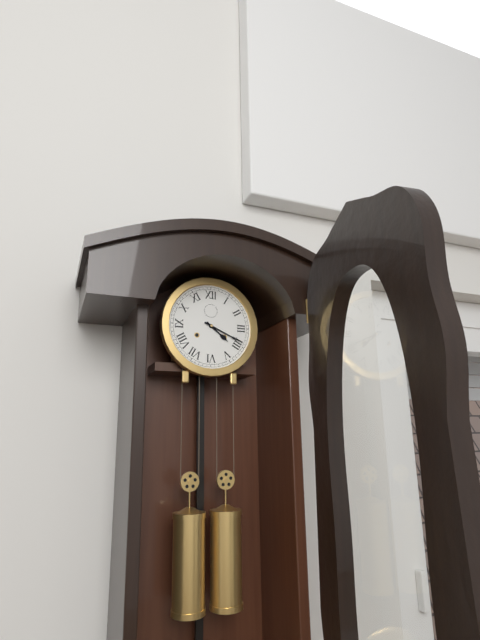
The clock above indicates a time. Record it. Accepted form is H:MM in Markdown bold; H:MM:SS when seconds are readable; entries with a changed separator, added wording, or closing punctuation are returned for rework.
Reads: **4:19**
